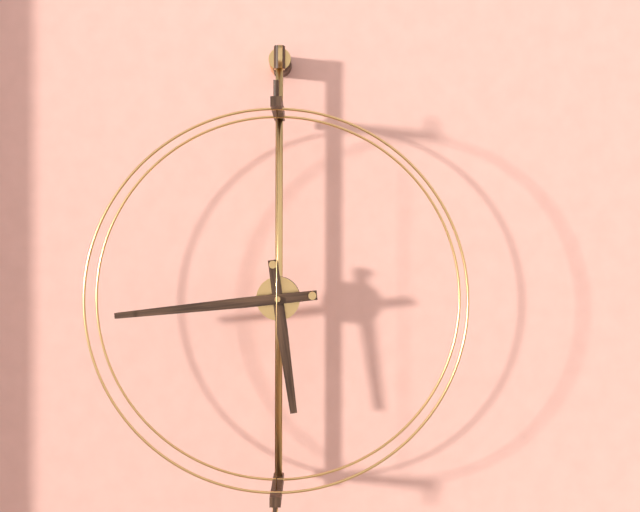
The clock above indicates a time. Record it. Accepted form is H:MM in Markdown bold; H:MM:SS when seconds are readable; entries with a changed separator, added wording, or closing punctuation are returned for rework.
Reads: **5:44**
